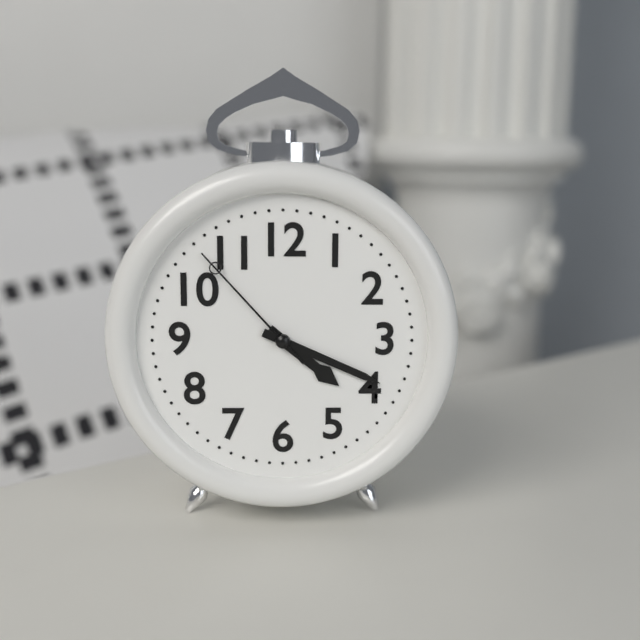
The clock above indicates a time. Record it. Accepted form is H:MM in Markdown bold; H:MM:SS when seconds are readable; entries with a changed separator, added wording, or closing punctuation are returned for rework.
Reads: **4:19:53**
